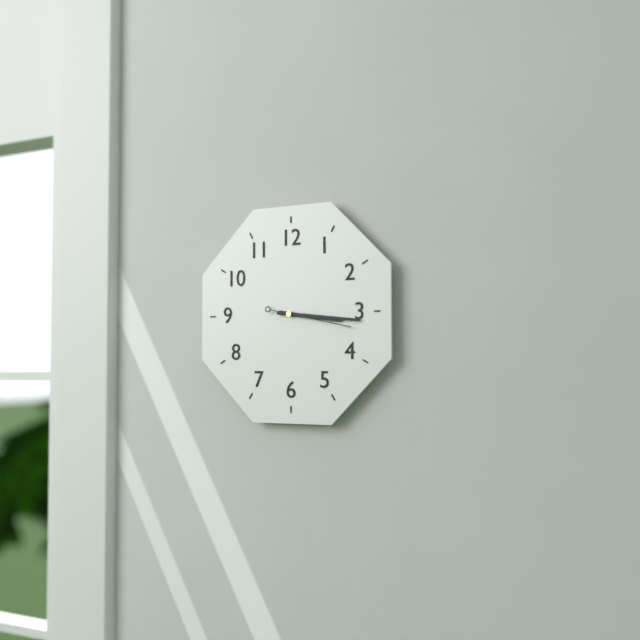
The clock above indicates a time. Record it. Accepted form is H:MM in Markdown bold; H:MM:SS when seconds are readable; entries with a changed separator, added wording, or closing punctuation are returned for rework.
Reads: **3:16:17**
